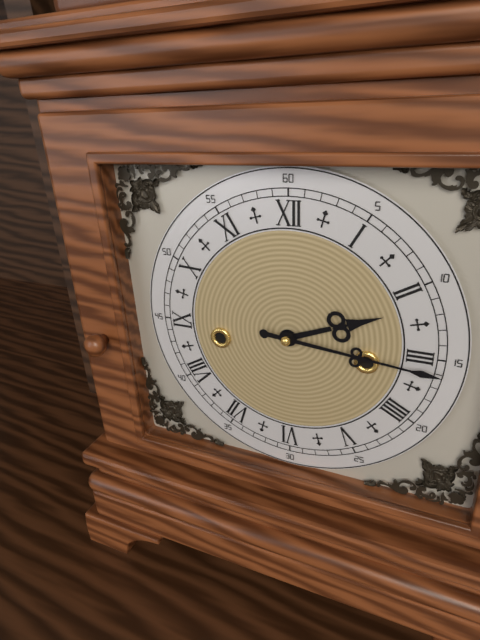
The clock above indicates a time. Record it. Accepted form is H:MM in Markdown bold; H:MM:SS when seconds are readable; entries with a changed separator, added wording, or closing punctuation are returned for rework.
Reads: **2:16**
